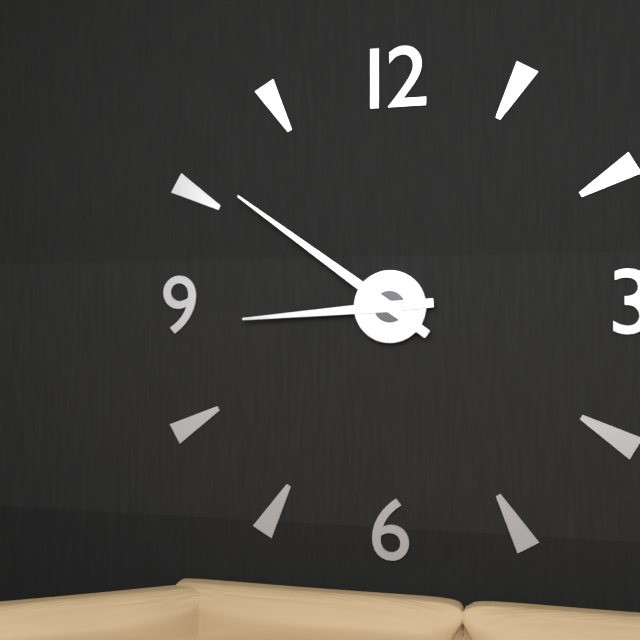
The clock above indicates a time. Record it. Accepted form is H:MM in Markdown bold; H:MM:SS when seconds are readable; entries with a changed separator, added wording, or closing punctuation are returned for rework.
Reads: **8:51**
